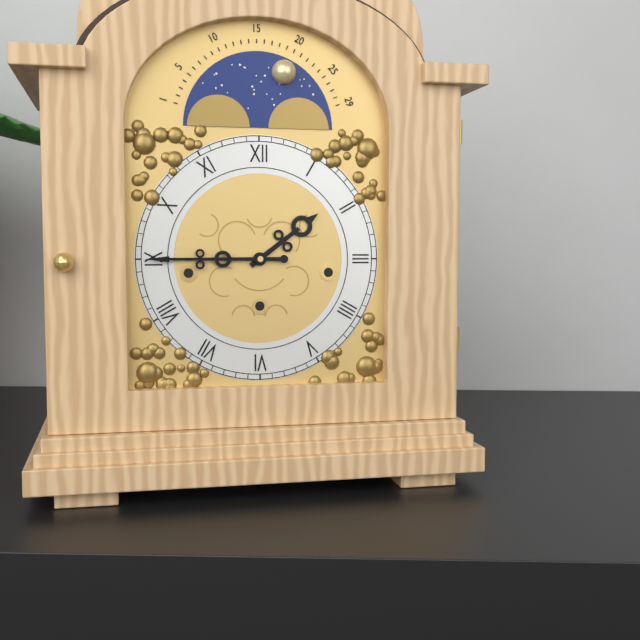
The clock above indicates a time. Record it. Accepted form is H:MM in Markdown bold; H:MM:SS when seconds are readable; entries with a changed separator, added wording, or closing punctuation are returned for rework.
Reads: **1:45**
